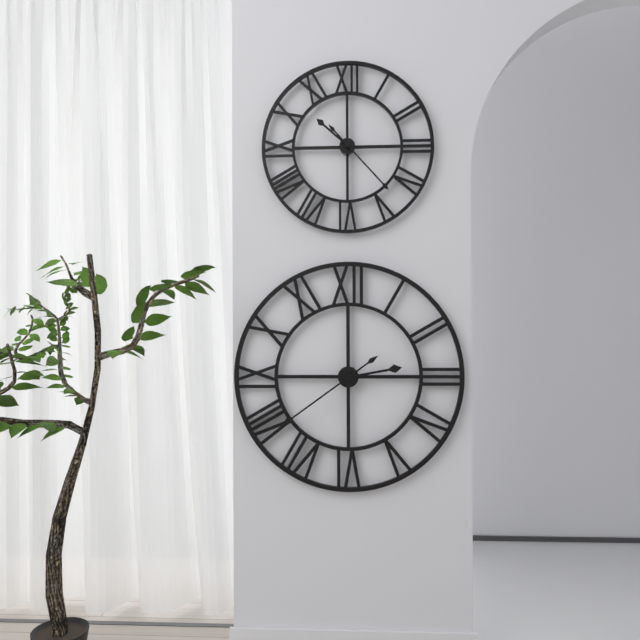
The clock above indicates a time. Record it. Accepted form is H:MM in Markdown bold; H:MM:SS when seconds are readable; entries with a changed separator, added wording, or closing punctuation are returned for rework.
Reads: **2:39**
